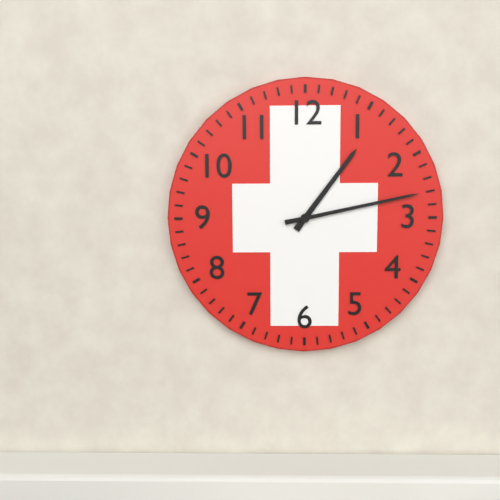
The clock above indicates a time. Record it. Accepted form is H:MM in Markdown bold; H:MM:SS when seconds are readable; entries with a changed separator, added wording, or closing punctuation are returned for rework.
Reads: **1:13**
